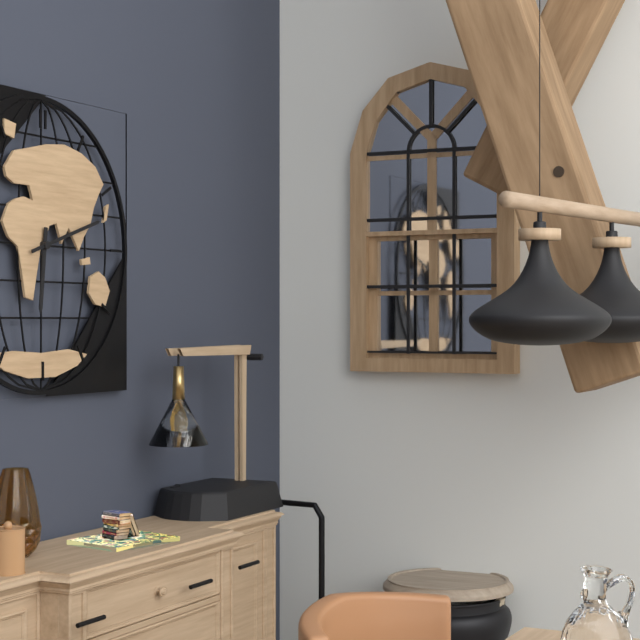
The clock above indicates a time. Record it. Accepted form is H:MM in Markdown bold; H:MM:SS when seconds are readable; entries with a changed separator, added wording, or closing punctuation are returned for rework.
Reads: **6:12**
